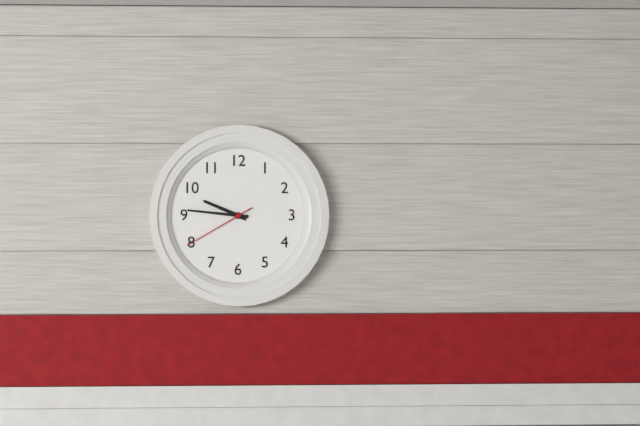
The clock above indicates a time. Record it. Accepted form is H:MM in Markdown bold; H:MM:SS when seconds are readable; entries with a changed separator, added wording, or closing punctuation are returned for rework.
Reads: **9:46:40**
